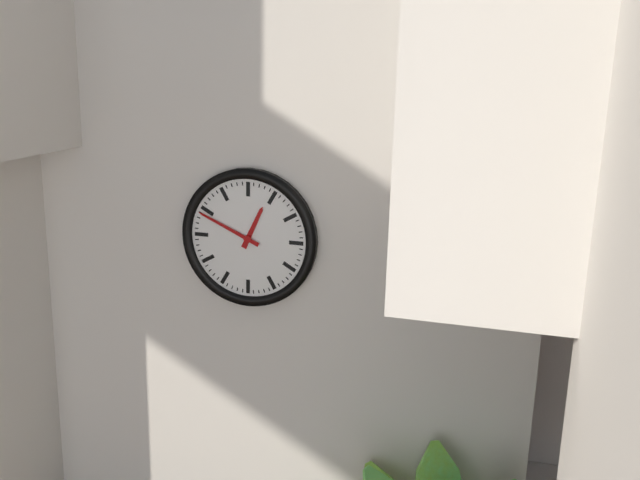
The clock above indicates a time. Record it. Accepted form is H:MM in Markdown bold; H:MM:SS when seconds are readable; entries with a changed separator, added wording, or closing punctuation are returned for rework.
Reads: **12:49**
